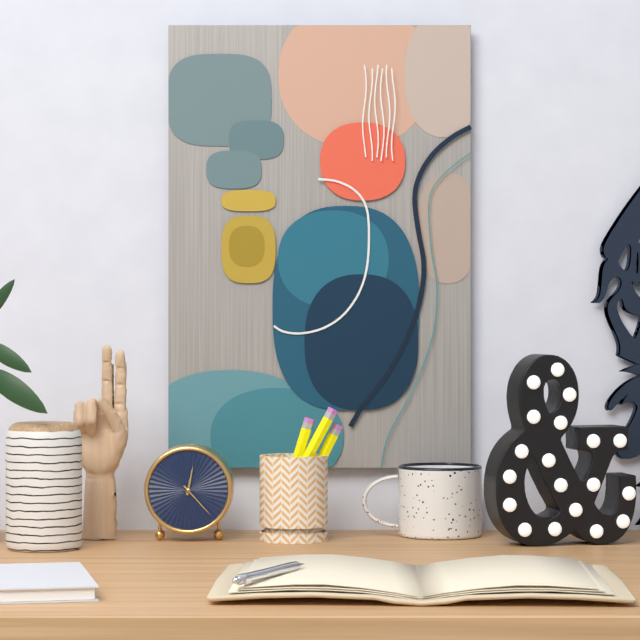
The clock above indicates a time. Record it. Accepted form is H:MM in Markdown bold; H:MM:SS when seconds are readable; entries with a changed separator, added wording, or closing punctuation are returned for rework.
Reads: **12:23**
